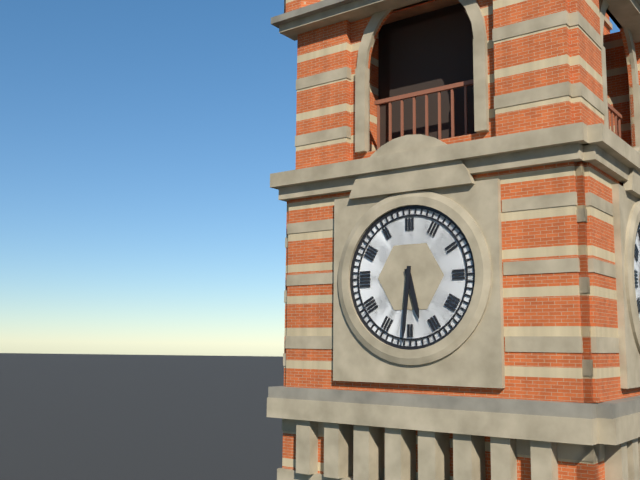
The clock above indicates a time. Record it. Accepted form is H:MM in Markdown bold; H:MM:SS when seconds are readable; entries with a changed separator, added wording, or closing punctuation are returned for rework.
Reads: **5:31**
